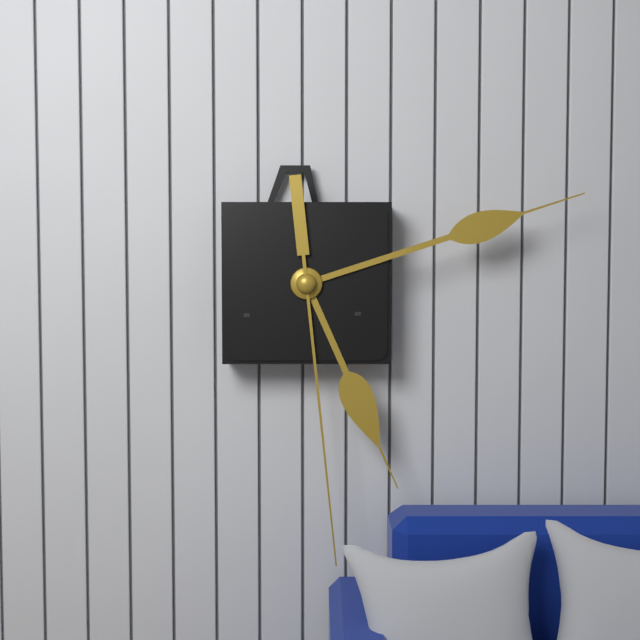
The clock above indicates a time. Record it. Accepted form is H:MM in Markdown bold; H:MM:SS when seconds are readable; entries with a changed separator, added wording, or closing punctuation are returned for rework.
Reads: **5:12:29**
